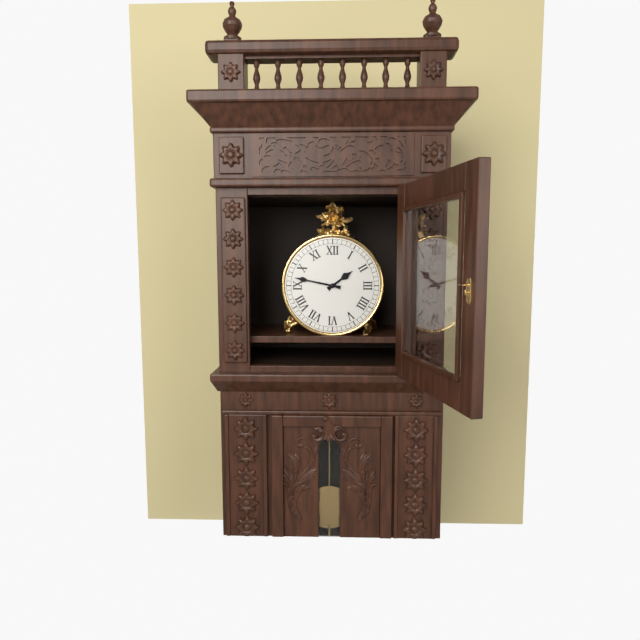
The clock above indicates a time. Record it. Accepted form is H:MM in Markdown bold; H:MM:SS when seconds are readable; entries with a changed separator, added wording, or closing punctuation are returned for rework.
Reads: **1:47**
